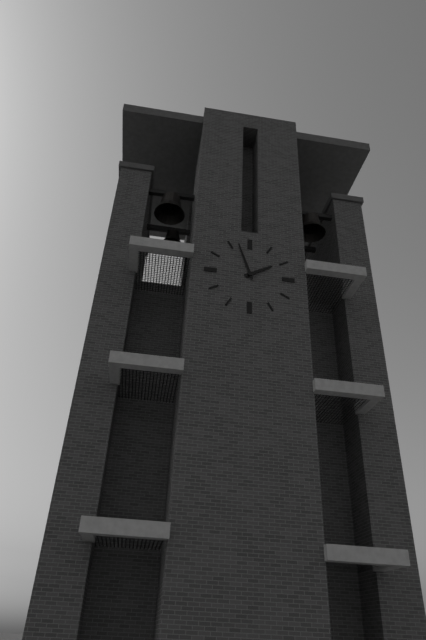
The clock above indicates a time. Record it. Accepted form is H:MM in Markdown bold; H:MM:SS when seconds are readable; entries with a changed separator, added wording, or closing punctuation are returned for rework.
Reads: **1:57**
